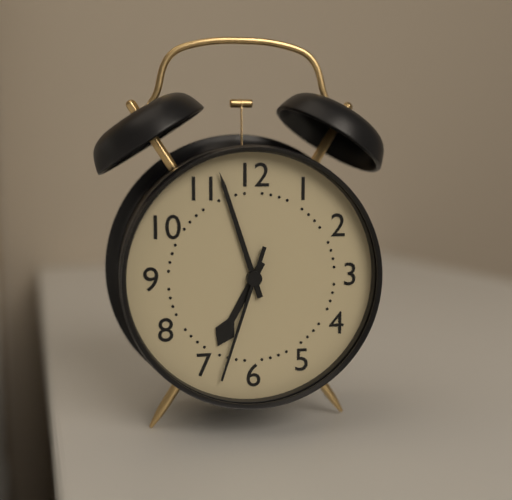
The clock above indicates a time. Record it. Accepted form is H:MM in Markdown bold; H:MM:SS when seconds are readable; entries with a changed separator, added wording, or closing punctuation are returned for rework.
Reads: **6:57:33**
